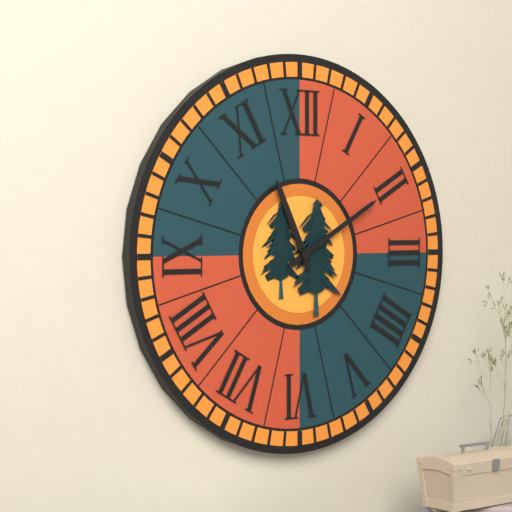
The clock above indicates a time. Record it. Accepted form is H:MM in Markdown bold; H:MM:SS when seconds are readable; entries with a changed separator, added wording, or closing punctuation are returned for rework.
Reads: **11:10**
